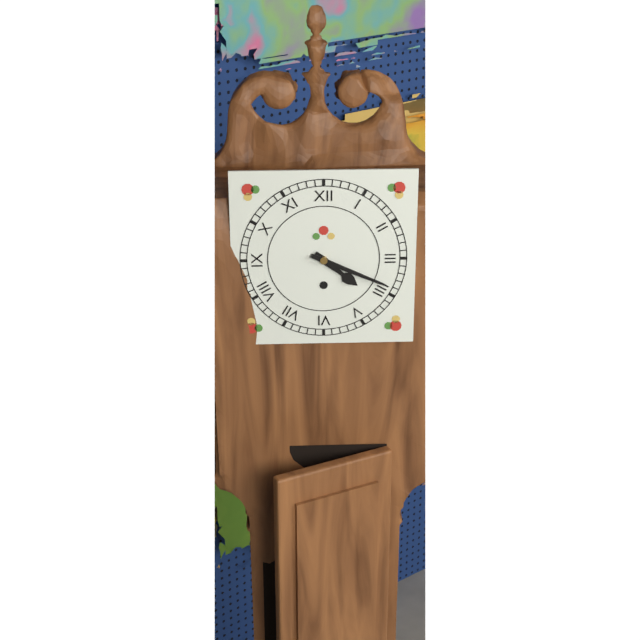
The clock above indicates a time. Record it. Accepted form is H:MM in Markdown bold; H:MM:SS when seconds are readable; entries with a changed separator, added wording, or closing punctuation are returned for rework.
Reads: **4:19**
